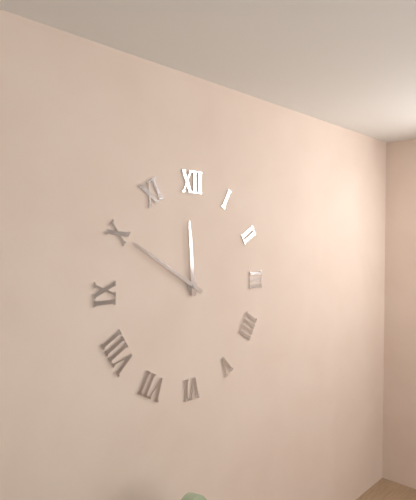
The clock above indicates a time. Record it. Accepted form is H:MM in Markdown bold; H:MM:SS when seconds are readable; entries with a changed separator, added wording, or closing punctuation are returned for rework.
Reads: **11:50**
